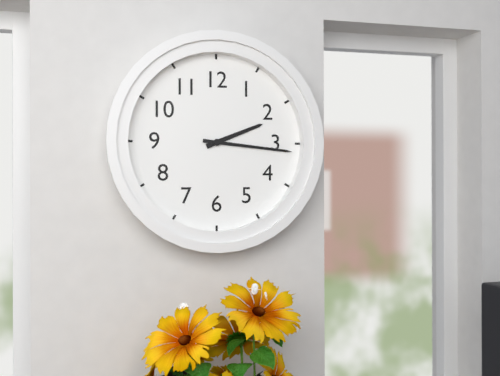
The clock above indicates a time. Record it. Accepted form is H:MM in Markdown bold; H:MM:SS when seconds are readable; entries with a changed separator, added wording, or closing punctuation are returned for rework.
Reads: **2:16**
